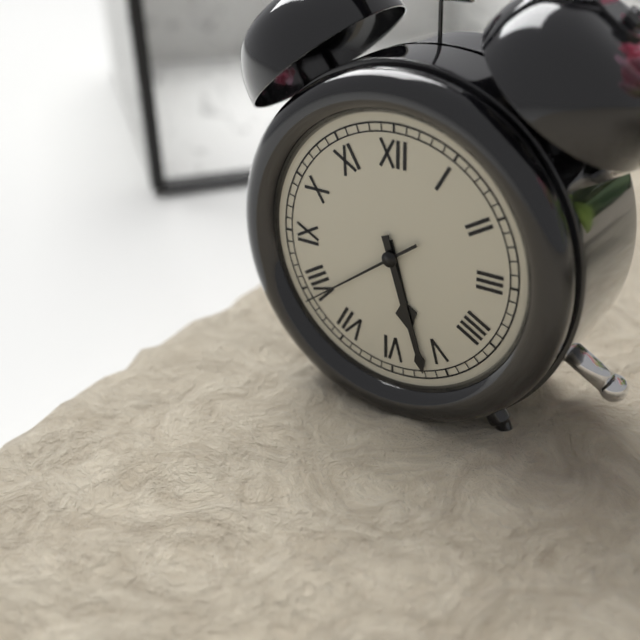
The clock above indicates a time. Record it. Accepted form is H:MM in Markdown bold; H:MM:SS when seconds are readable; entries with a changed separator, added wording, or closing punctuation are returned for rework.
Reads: **5:27:39**
